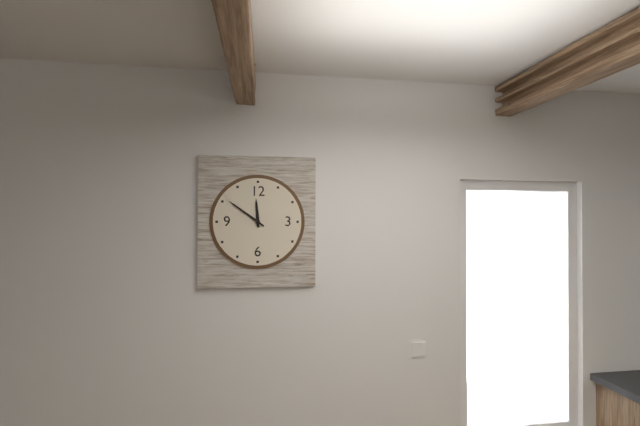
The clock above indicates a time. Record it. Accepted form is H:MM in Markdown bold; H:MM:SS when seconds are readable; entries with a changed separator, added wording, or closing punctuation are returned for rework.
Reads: **11:51**
